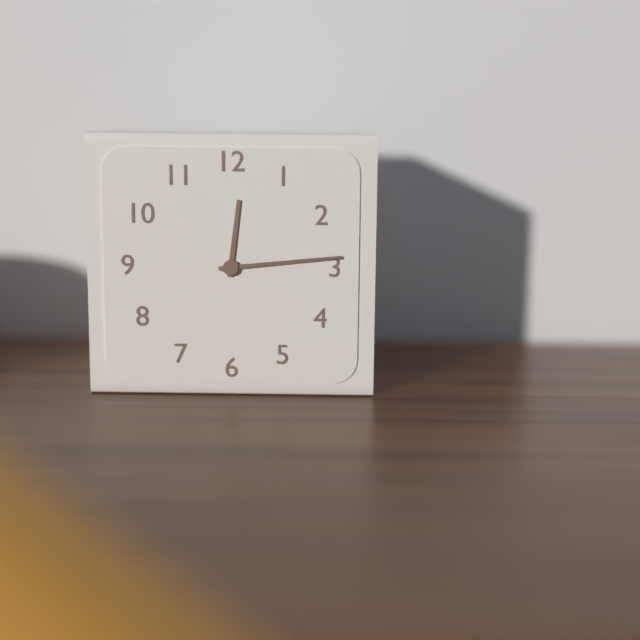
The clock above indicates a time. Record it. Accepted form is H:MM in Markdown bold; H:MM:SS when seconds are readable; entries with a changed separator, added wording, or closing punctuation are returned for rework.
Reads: **12:14**
